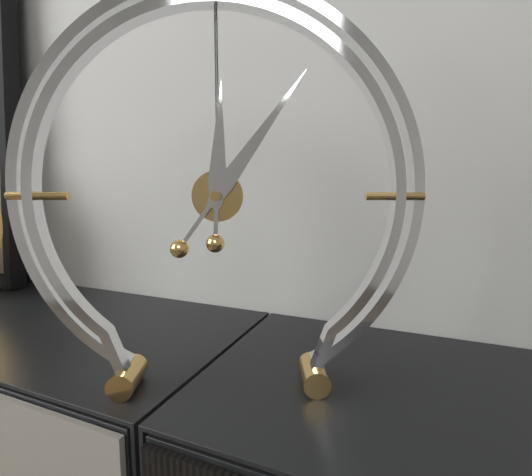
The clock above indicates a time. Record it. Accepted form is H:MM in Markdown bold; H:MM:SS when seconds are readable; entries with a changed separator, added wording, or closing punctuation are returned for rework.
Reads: **12:06**
